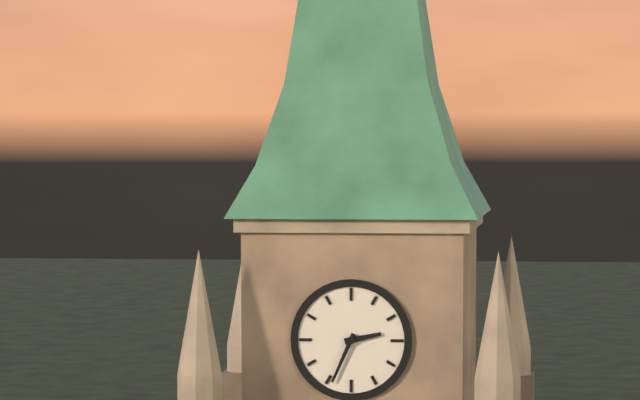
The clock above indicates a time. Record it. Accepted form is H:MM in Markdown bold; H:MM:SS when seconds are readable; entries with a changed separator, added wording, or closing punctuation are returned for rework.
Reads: **2:34**
